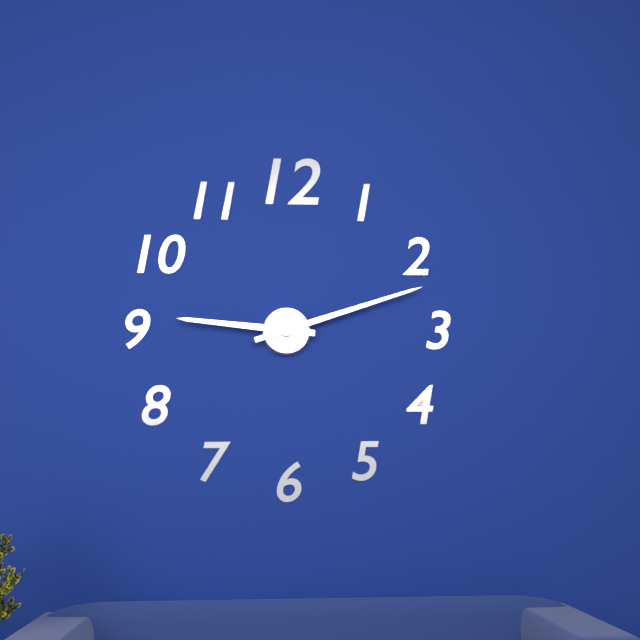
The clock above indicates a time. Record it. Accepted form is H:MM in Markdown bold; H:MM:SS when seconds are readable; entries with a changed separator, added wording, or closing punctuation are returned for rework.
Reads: **9:12**
